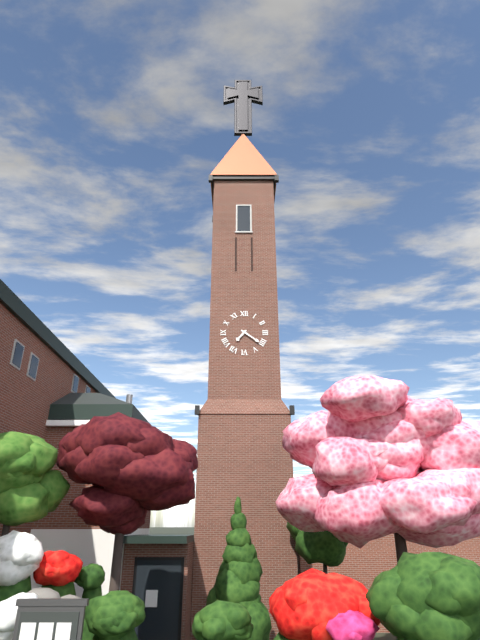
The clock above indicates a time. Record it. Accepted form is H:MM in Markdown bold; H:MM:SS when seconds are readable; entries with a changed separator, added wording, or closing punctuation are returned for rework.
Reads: **7:21**
